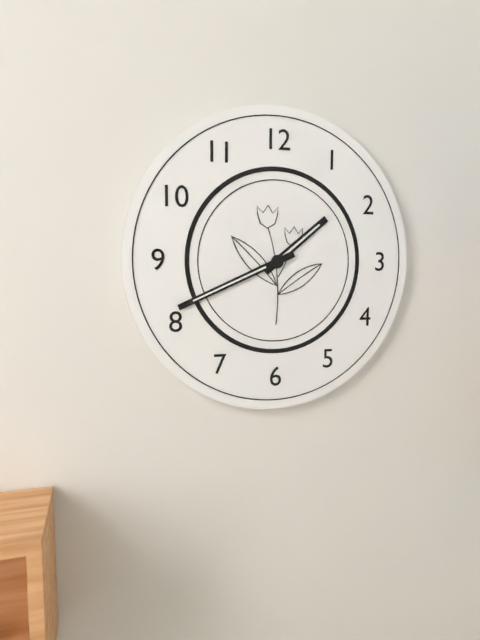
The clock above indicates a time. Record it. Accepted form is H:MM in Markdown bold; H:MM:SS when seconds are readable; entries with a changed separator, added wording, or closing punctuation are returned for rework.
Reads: **1:41**
